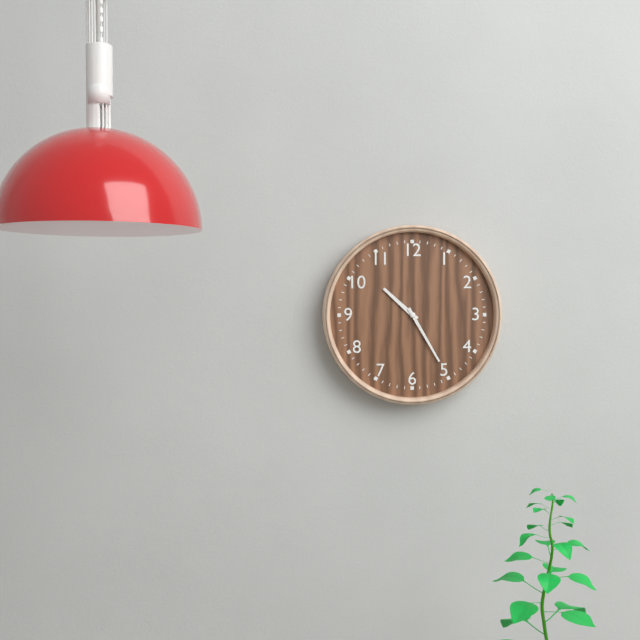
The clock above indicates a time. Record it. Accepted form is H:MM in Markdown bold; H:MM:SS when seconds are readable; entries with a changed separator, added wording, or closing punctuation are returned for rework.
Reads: **10:25**
